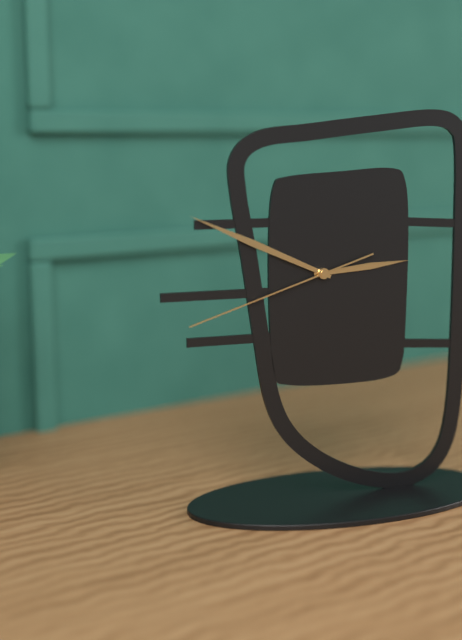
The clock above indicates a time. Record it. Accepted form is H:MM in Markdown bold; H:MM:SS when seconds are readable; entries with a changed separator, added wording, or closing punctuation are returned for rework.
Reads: **2:49:42**
